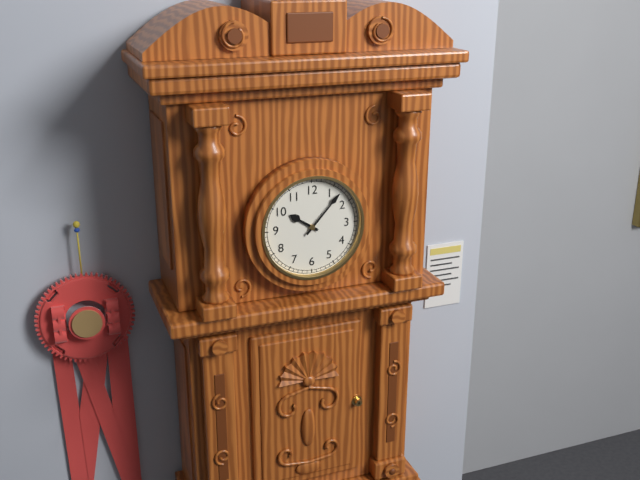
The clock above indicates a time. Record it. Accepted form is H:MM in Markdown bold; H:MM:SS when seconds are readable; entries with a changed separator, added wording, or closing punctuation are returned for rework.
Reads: **10:07**
